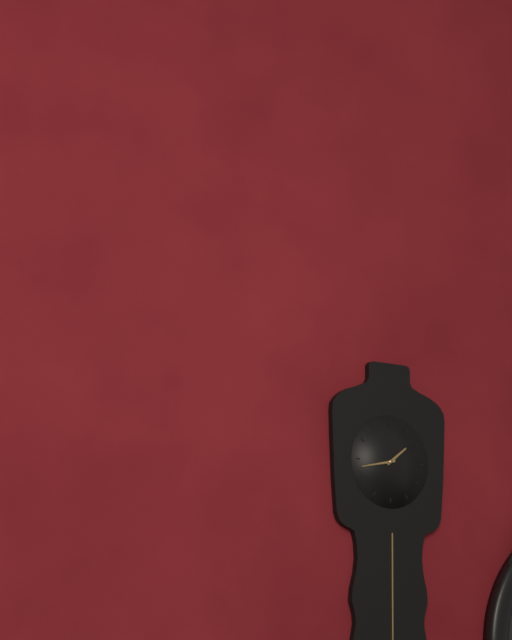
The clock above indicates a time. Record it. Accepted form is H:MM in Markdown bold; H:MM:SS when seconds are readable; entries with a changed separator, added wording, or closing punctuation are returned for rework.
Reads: **1:43**
